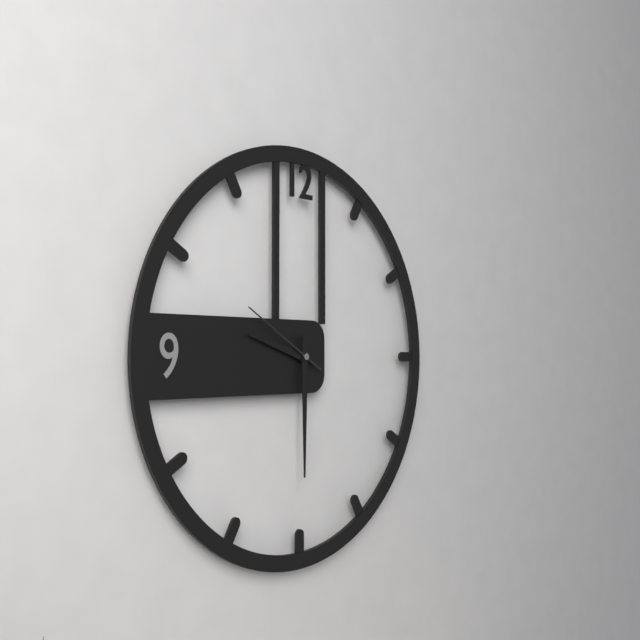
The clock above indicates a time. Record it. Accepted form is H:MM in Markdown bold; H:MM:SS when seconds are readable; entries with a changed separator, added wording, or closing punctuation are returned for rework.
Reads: **9:30:50**
